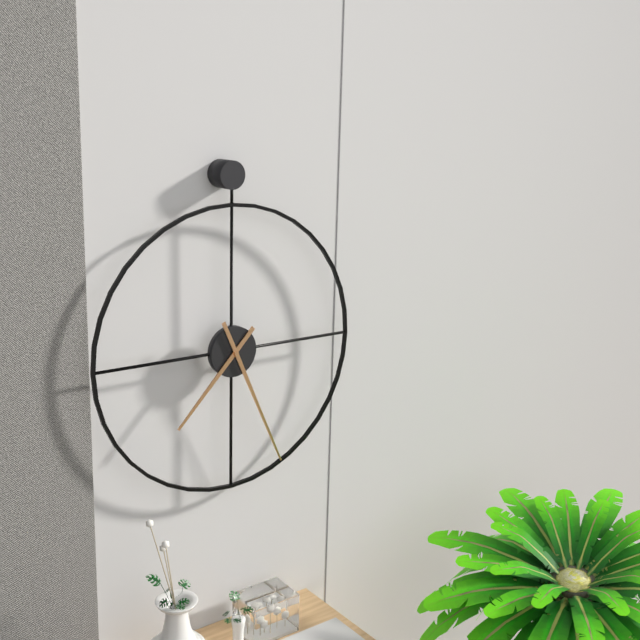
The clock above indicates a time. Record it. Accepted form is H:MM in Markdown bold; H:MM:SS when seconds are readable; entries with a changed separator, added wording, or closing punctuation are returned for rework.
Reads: **7:26**
